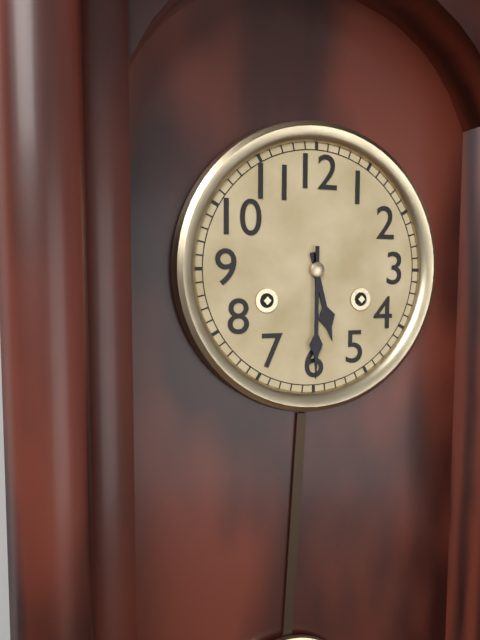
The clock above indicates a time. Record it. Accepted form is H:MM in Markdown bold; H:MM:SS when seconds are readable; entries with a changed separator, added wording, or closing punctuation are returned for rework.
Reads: **5:30**
